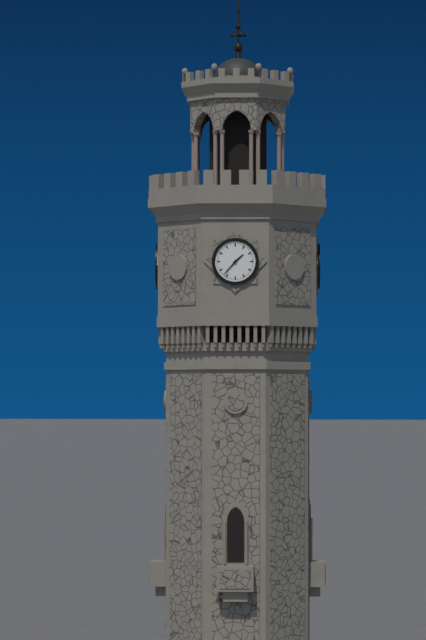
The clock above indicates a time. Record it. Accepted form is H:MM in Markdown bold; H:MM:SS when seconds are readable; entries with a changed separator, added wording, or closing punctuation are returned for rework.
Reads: **1:37**
